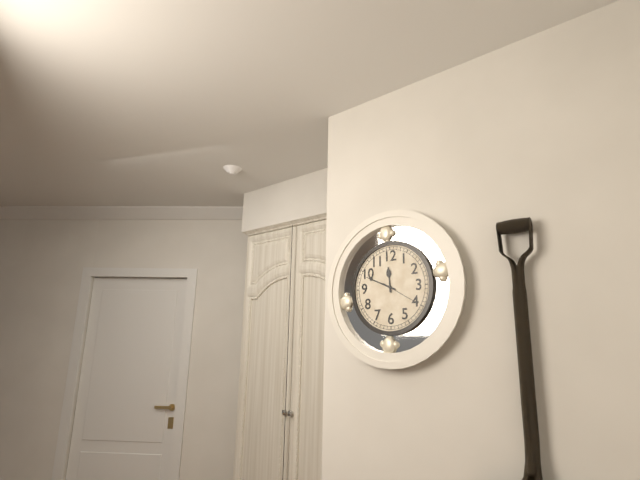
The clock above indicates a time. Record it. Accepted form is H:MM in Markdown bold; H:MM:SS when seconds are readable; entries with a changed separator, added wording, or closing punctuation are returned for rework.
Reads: **11:49**
